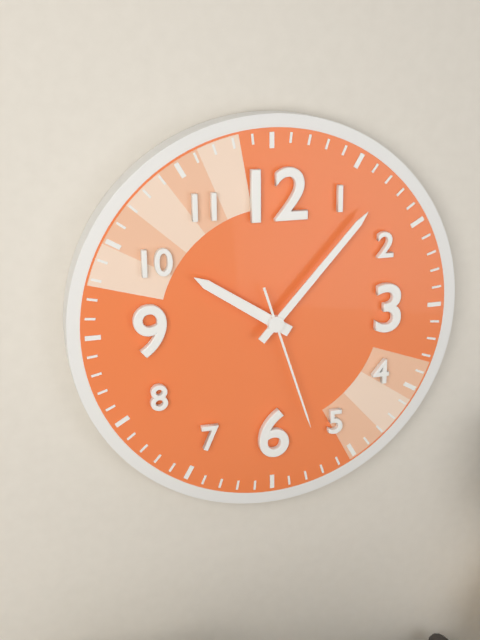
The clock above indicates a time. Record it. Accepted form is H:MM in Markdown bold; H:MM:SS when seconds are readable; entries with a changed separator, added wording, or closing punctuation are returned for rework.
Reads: **10:07:27**
